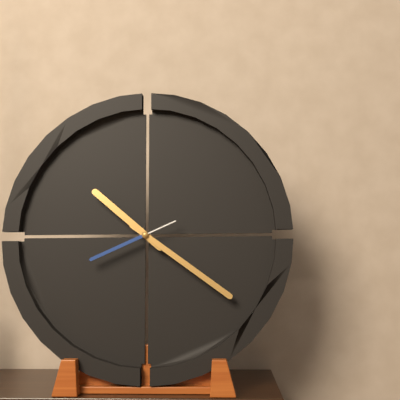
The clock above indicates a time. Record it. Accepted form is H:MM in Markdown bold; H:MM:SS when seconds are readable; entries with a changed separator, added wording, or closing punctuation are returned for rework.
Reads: **10:21:41**
